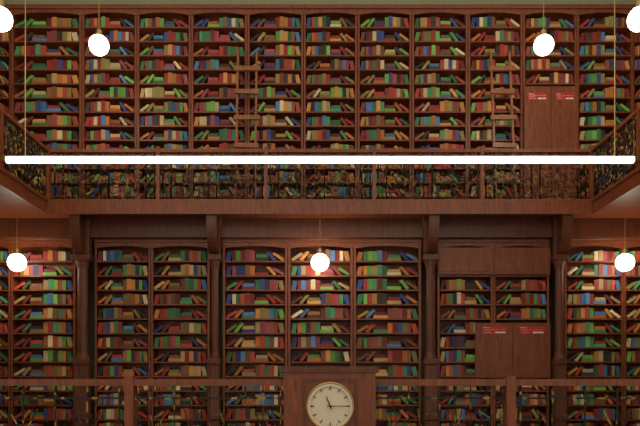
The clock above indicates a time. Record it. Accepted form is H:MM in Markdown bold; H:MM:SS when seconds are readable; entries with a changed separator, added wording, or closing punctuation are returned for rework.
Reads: **11:15**
